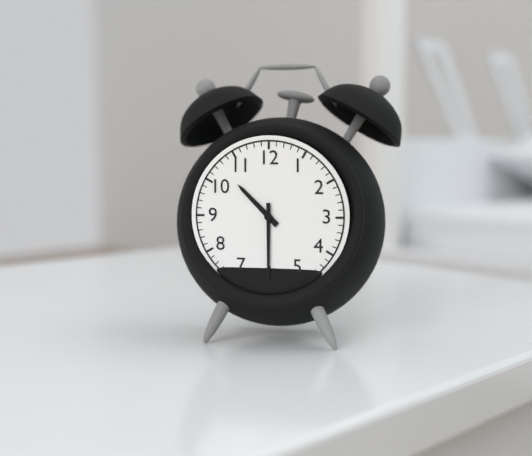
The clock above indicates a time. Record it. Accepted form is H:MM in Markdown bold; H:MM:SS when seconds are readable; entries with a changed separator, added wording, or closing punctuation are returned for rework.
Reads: **10:30**
